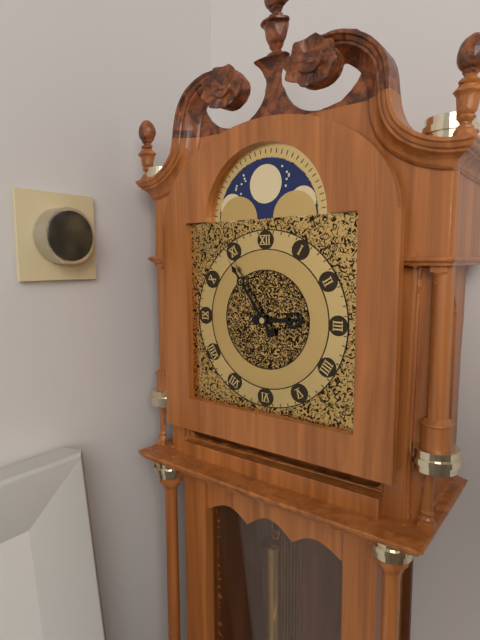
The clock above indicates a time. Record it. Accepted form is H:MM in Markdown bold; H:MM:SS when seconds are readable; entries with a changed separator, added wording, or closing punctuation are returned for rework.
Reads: **2:54**
